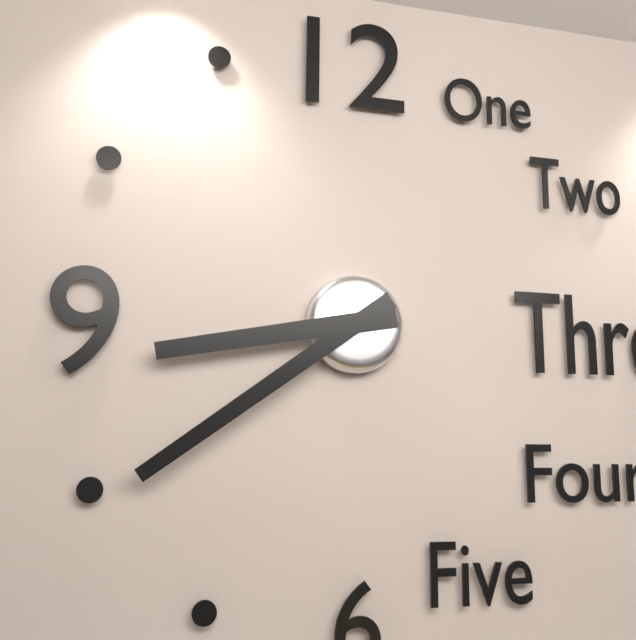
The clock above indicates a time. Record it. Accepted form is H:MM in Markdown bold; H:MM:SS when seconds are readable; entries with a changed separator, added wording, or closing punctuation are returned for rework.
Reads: **8:39**
